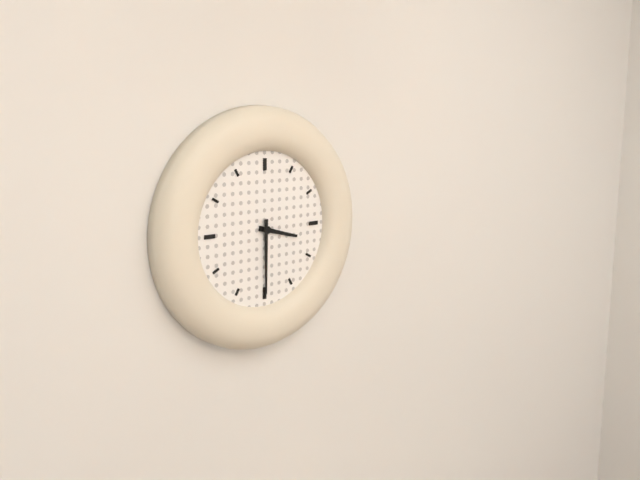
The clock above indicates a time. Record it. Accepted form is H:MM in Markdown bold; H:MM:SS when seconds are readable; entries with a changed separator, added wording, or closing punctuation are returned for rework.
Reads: **3:30**
